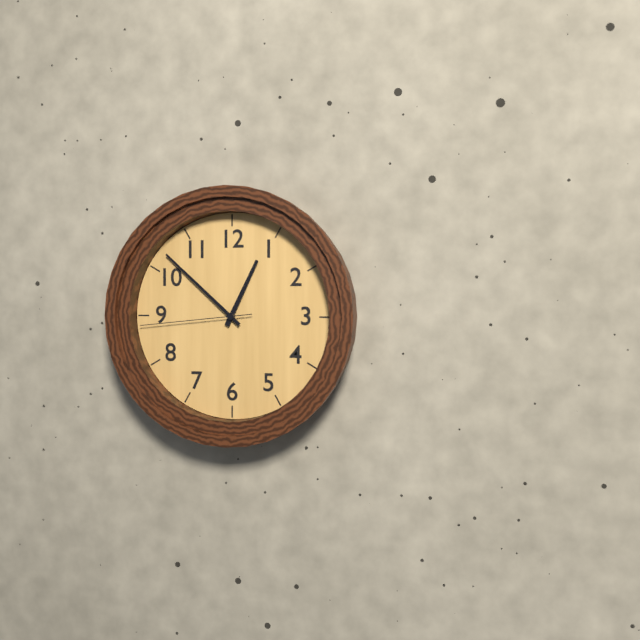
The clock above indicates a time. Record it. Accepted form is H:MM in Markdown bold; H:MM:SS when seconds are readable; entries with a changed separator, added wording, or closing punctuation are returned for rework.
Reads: **12:52:44**
